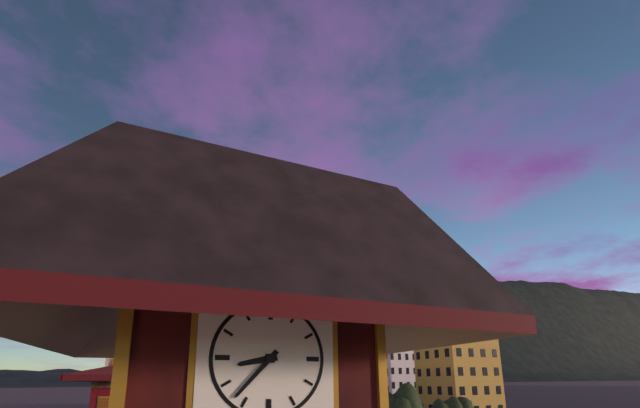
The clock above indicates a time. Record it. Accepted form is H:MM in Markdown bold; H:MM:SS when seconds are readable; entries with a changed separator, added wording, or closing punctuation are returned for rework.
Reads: **8:37**
